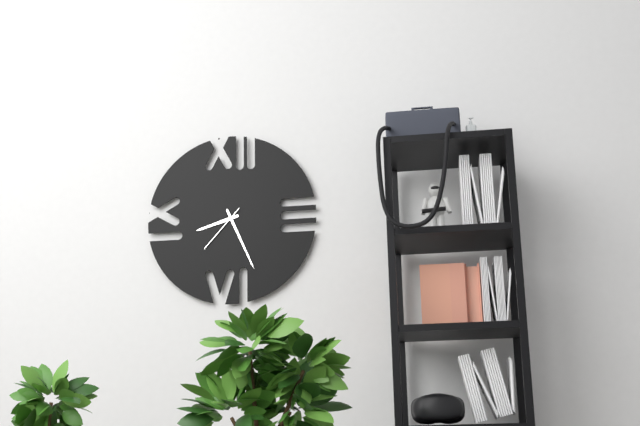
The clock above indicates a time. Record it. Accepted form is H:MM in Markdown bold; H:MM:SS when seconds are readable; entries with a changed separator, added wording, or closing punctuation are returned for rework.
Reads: **8:26:37**
